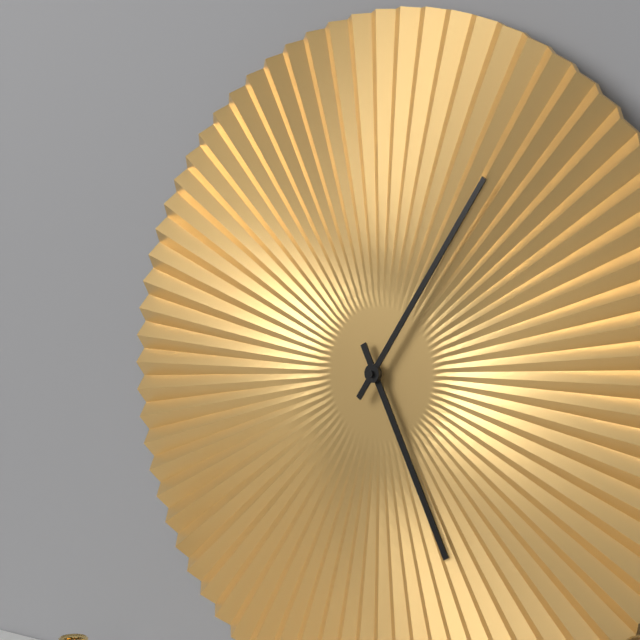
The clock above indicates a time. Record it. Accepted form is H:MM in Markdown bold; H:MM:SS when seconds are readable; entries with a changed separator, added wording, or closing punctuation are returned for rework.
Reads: **5:06**
